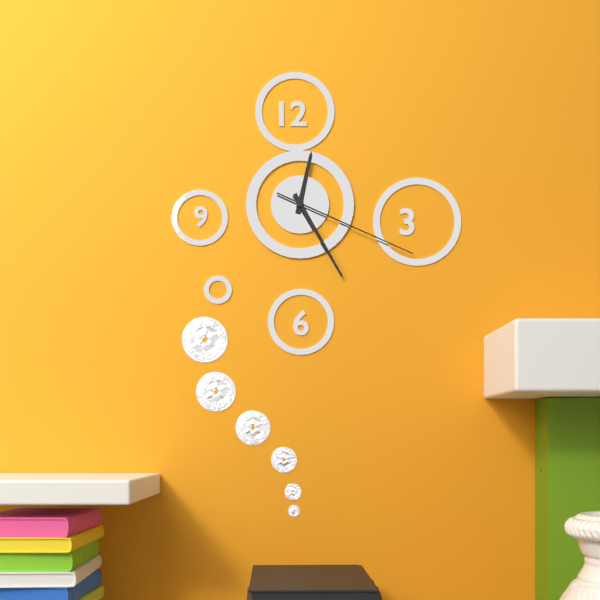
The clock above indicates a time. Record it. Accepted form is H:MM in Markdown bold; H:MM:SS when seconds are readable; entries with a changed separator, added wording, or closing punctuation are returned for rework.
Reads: **12:25:19**
